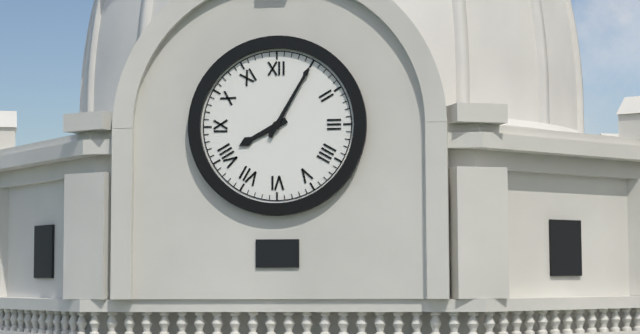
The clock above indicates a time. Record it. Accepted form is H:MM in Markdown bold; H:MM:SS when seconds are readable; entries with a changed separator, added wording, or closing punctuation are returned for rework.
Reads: **8:05**
